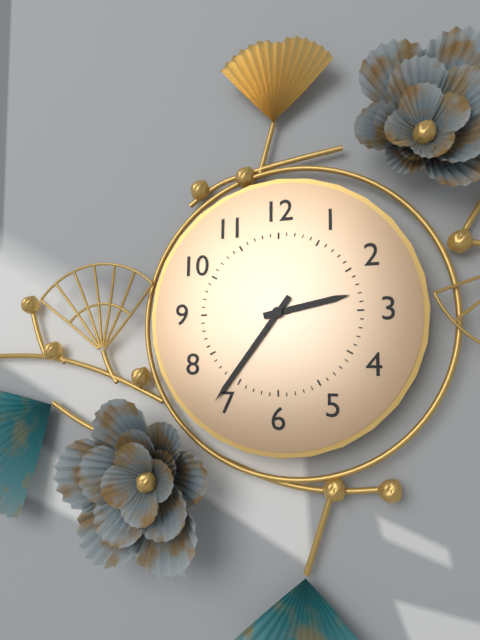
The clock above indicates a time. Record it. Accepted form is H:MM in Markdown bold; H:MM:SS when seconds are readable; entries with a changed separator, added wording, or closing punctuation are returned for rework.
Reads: **2:36**
